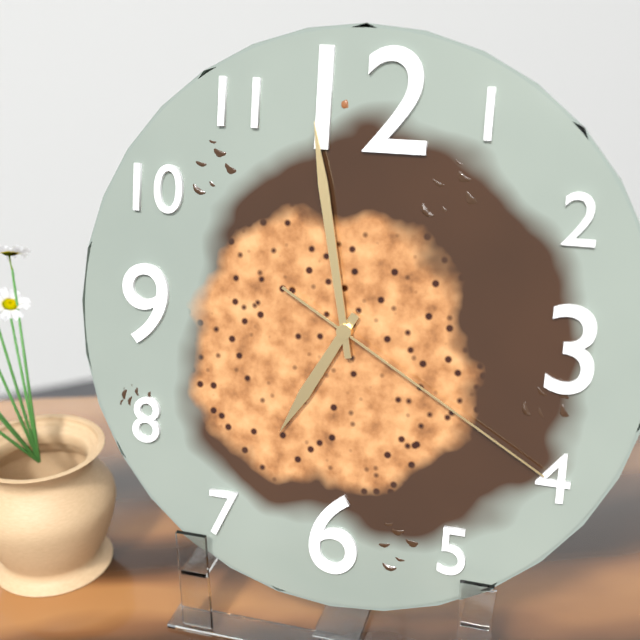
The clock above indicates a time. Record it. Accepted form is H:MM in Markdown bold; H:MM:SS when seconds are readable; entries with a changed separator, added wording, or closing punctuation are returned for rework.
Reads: **6:58:20**
